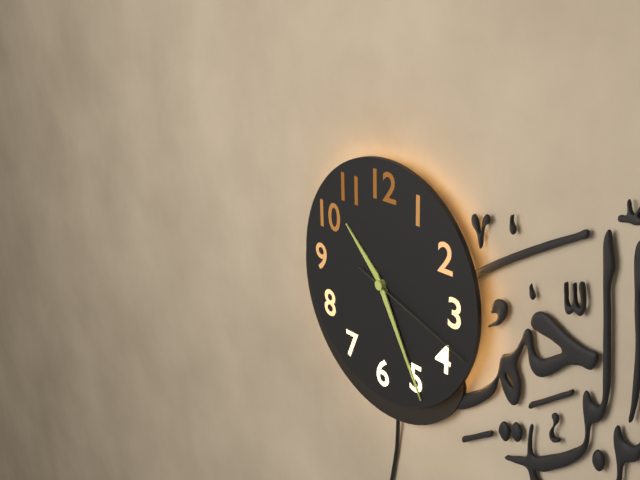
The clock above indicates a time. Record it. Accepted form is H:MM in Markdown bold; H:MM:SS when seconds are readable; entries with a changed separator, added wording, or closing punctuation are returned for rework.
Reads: **10:25:18**
